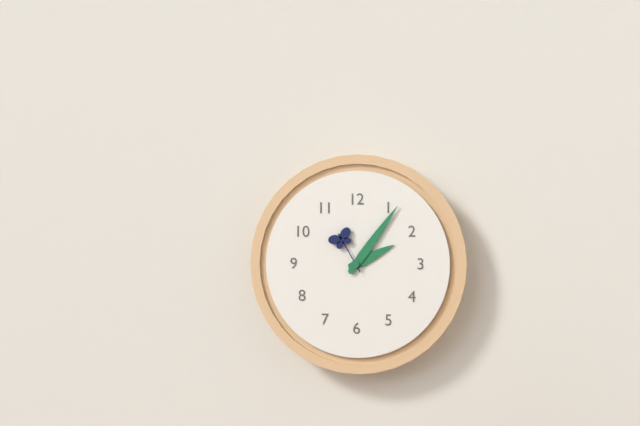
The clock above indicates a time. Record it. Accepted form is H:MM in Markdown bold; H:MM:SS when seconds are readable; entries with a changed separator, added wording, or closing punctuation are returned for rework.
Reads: **2:06**
